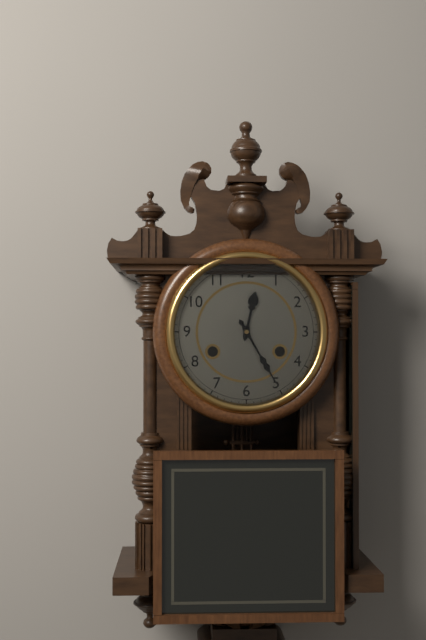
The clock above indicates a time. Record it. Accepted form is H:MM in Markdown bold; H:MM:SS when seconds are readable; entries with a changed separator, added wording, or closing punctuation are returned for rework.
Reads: **12:25**
